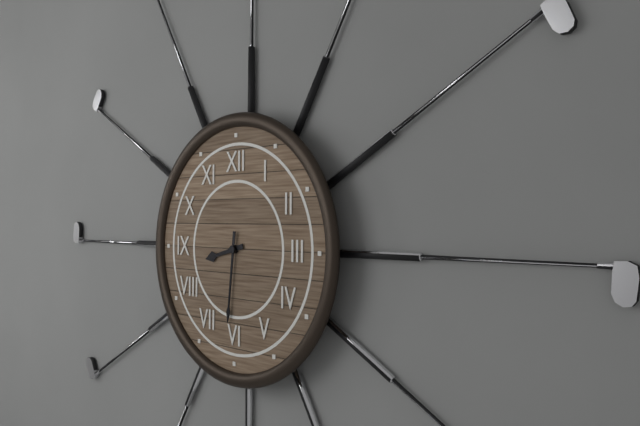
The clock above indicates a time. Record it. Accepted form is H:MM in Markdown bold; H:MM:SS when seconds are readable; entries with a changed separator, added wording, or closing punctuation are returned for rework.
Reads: **8:31**
